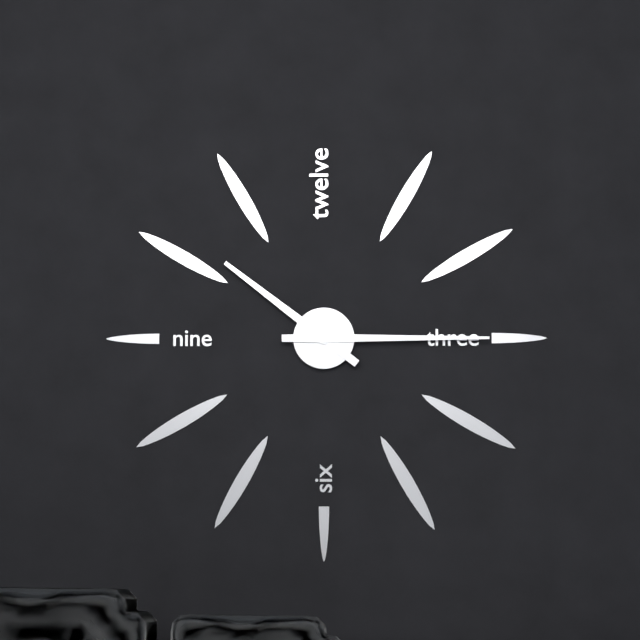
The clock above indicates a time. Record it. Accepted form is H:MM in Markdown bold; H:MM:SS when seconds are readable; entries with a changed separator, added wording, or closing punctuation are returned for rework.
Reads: **10:15**
